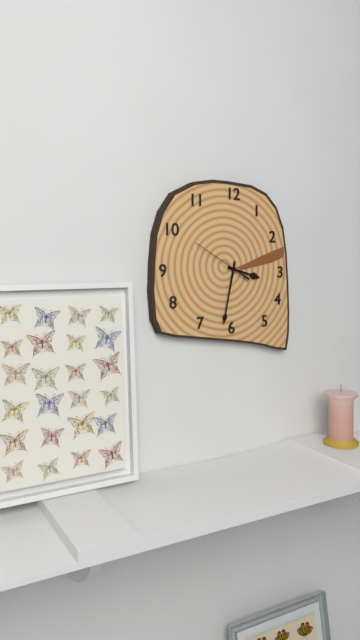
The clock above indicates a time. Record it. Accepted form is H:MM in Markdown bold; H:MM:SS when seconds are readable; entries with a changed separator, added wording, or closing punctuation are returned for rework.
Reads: **3:32**
